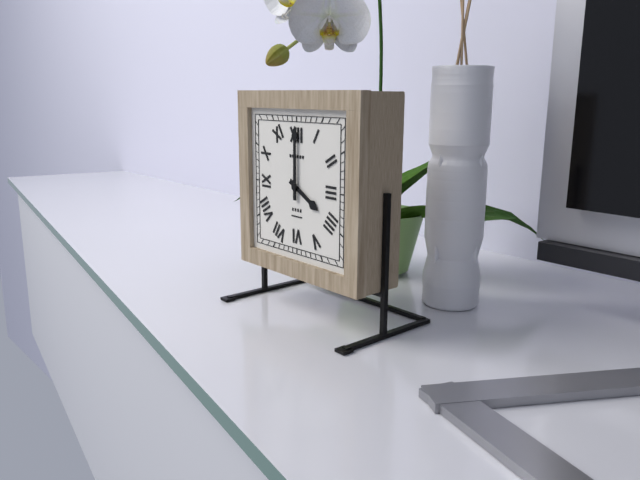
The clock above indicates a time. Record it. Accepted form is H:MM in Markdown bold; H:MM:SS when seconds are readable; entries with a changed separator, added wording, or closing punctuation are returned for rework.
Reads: **4:00**
